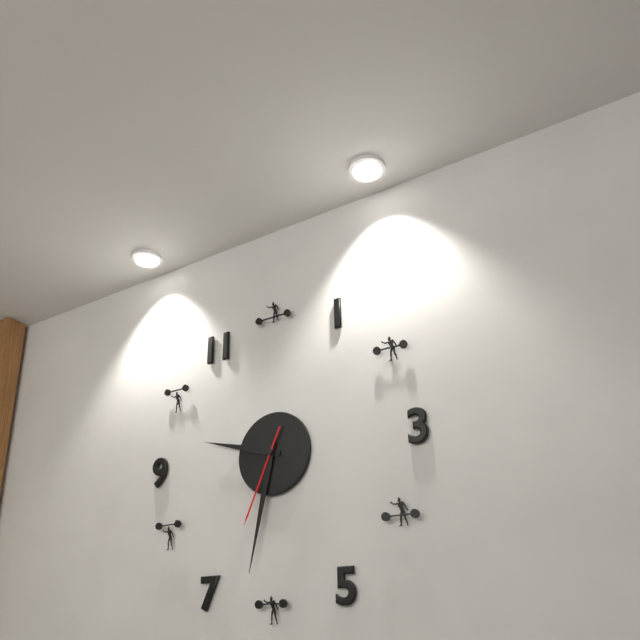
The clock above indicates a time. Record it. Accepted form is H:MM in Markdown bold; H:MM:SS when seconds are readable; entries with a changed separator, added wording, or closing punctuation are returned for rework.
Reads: **9:32:34**
